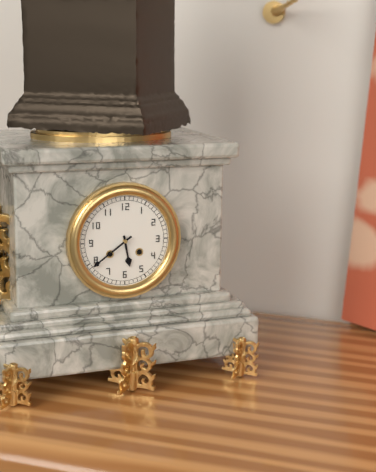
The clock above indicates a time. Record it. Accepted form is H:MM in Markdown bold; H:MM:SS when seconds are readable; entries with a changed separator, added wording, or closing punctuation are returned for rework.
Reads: **5:39**
